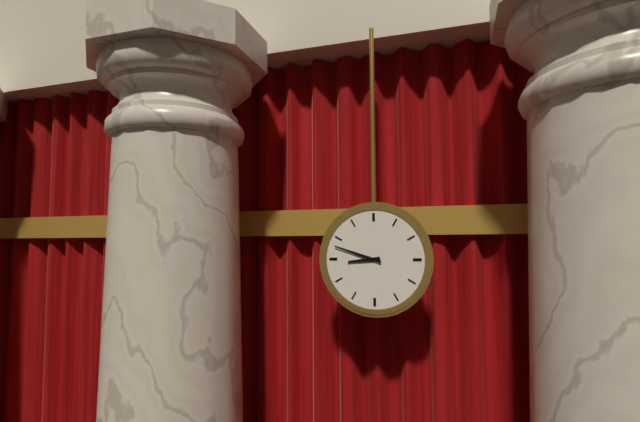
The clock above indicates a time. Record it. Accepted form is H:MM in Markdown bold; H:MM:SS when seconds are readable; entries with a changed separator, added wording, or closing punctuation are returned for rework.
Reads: **8:48**
